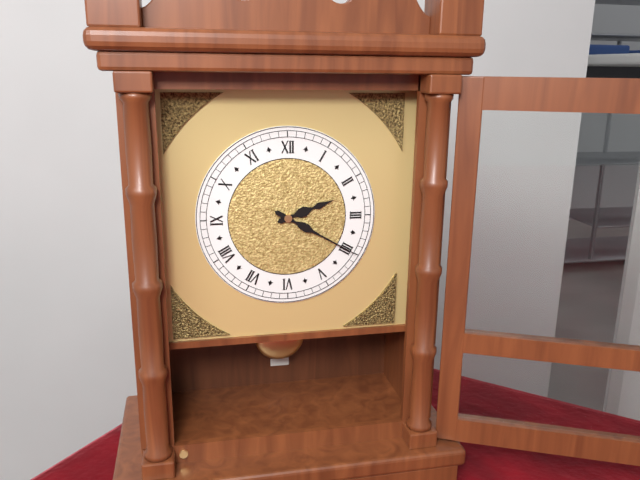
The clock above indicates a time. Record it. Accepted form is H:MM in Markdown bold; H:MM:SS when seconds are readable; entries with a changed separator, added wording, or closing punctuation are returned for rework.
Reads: **2:20**
